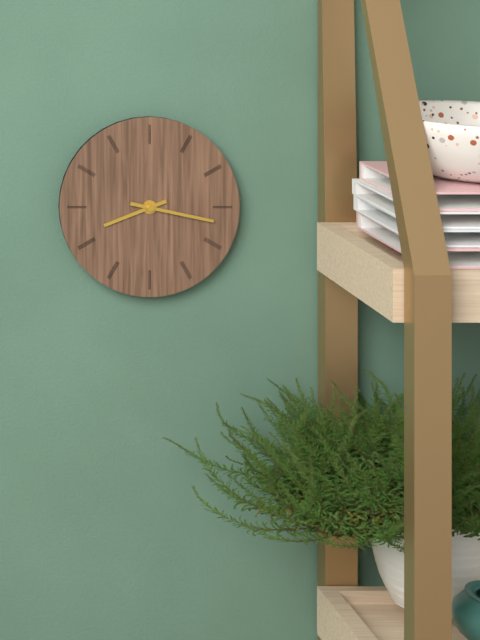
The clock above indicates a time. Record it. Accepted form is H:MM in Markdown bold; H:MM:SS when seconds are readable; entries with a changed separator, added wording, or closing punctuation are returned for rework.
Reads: **8:17**
